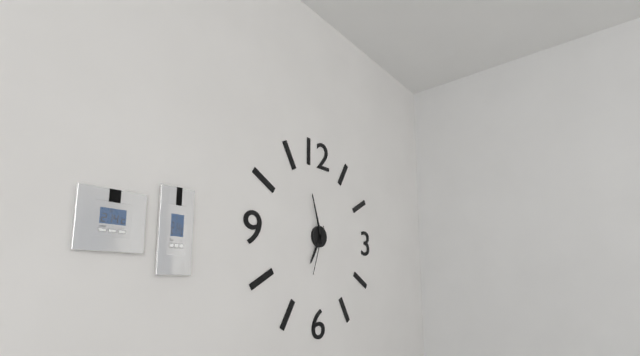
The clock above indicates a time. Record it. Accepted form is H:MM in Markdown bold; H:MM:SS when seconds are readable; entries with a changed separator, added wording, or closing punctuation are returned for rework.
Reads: **6:57**
